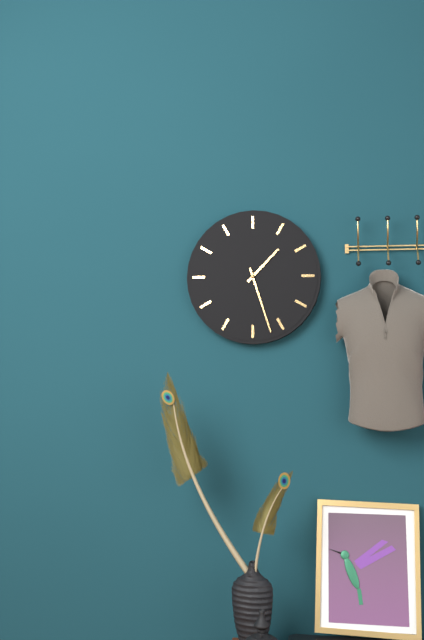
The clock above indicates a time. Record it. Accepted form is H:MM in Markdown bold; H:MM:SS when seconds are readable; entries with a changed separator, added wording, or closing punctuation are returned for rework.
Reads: **1:27**
